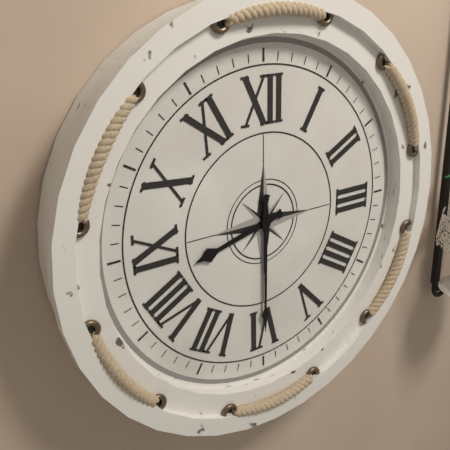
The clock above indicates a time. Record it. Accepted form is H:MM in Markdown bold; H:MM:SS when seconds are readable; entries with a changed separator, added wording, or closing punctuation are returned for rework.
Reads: **8:30**
